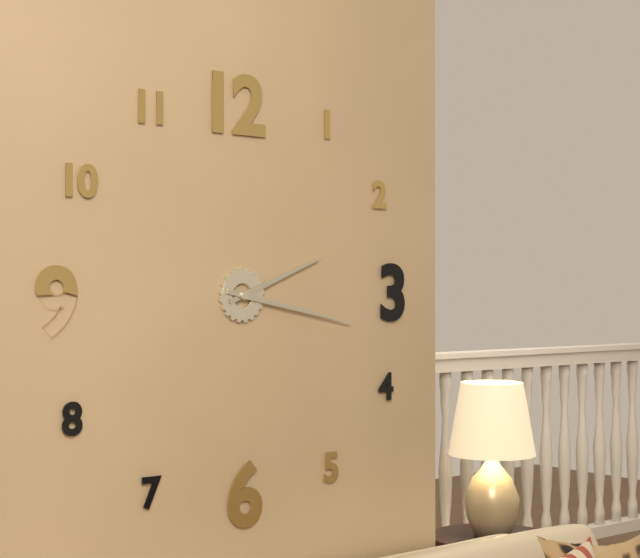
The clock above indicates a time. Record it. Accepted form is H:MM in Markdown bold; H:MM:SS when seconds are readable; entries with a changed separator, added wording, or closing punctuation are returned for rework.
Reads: **2:17**
